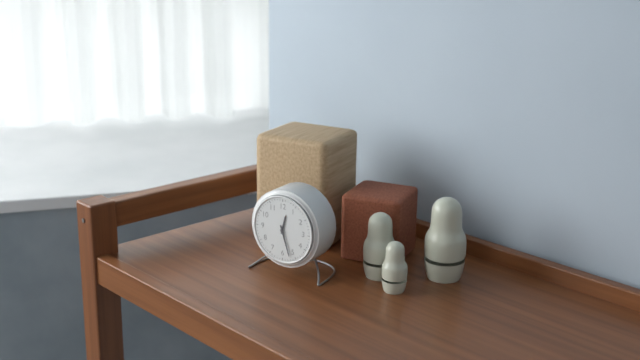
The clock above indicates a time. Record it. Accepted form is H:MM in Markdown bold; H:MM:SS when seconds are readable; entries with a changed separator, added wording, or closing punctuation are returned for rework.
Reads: **12:27**
